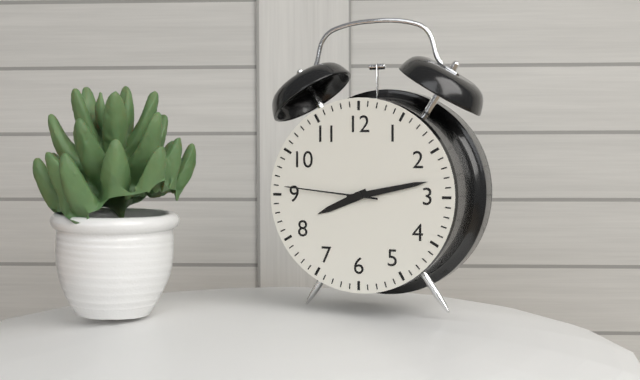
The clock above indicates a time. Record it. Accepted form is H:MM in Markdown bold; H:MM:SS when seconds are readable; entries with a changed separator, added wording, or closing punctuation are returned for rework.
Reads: **8:13:46**
